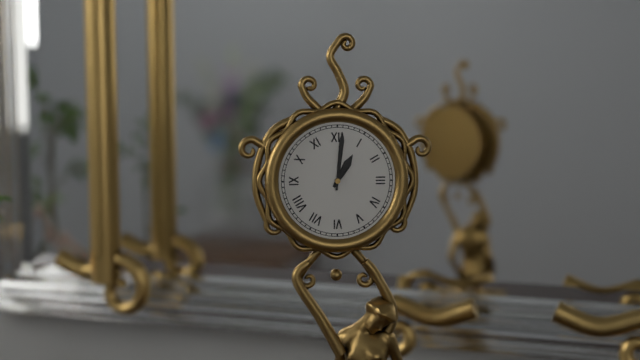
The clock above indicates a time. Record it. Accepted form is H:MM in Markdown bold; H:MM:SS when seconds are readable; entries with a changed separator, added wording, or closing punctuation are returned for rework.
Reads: **1:01**
